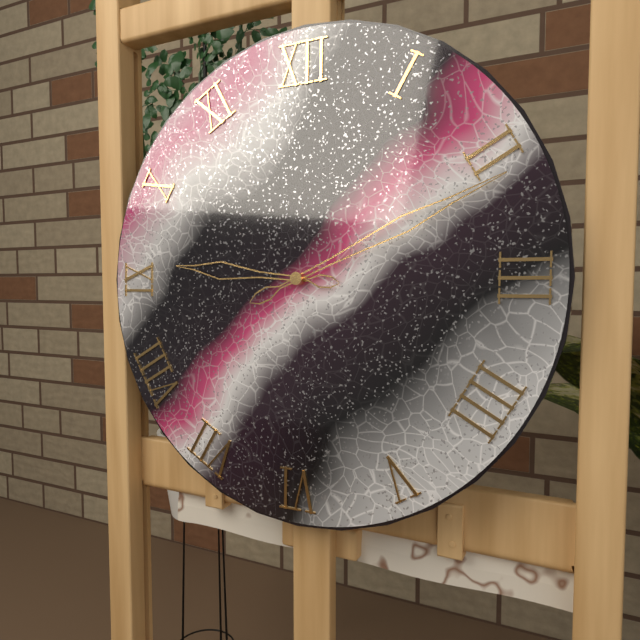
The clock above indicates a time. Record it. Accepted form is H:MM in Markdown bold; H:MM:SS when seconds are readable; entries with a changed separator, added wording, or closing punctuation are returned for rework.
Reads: **9:11**
